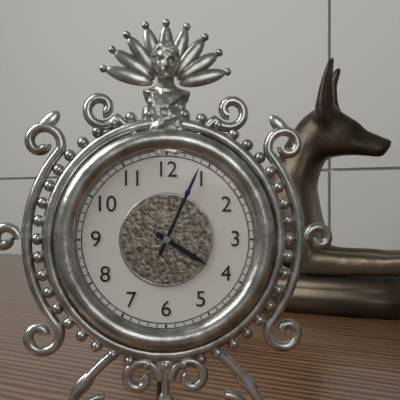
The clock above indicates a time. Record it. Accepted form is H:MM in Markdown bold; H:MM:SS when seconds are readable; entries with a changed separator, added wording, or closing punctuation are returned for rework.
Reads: **4:04**
